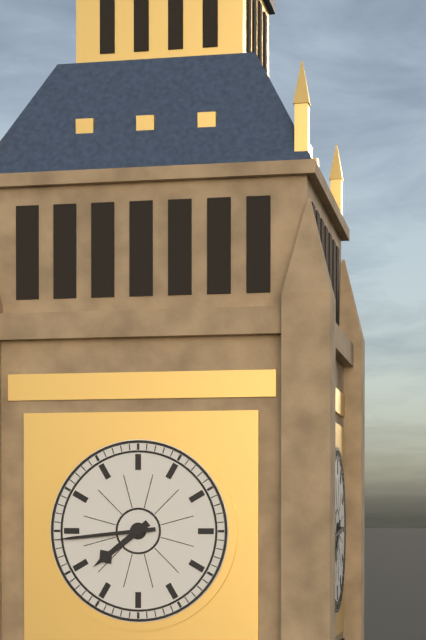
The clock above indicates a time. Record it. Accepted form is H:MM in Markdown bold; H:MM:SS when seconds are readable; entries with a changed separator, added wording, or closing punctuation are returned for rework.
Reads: **7:44**
